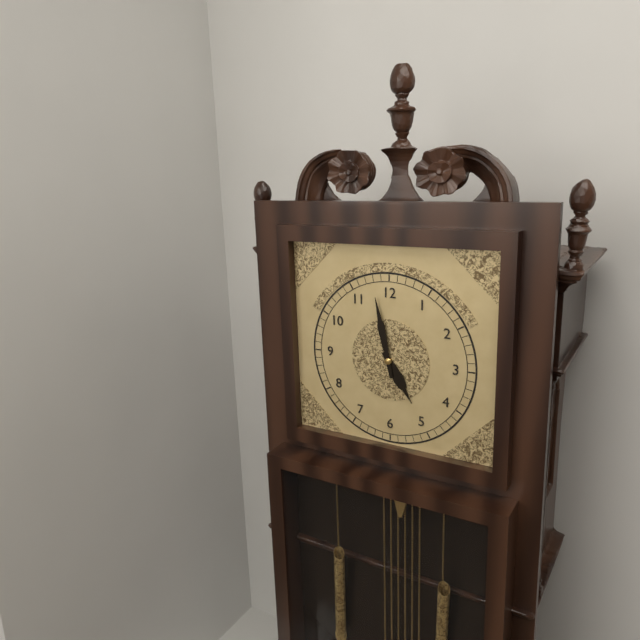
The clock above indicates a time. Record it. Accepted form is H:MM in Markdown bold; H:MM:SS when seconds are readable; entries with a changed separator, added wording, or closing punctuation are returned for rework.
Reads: **4:58**
